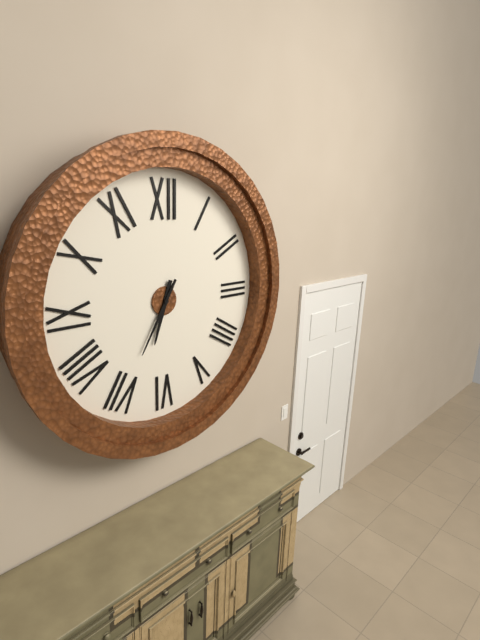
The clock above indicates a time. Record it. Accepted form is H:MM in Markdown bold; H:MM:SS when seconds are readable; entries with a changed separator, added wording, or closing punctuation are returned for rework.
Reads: **6:35**
